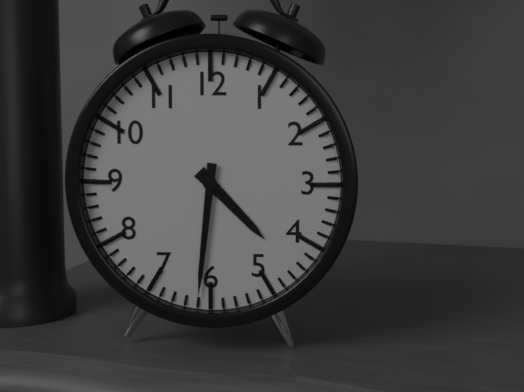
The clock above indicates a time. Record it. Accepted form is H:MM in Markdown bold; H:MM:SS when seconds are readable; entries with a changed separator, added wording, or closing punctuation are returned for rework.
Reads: **4:31**
